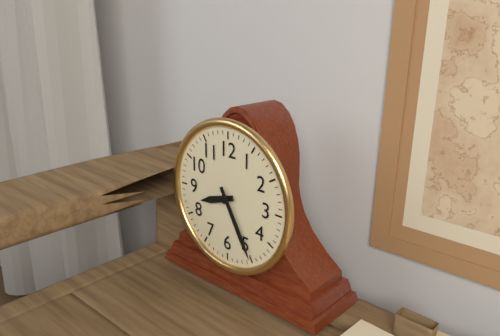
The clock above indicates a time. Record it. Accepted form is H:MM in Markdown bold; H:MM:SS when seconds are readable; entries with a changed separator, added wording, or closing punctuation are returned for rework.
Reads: **8:25**
